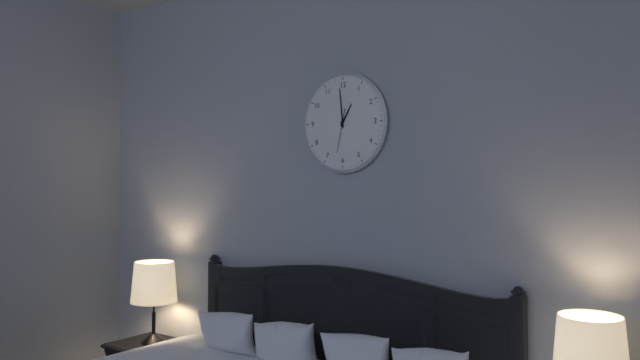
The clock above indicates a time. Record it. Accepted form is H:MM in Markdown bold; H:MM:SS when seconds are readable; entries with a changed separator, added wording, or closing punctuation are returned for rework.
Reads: **12:59**
